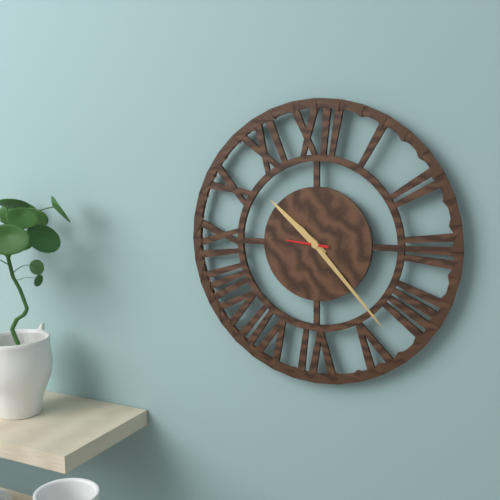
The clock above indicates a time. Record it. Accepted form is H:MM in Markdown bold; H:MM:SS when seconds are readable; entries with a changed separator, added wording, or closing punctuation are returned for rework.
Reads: **10:23**
